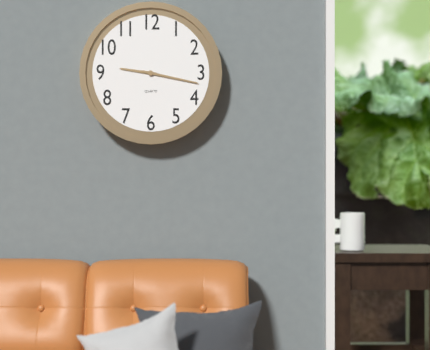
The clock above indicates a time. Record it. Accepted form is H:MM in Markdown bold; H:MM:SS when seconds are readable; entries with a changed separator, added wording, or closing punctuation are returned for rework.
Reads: **9:17**
